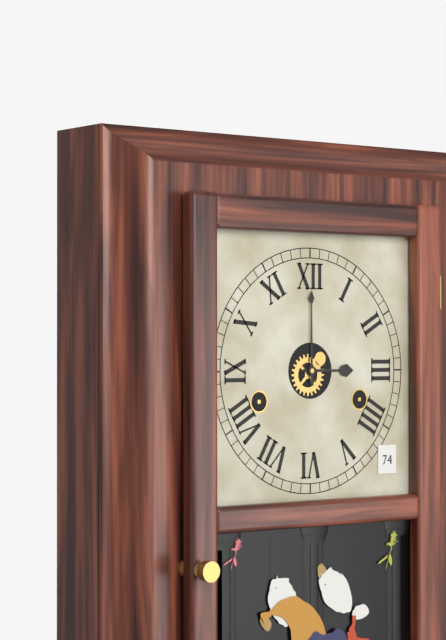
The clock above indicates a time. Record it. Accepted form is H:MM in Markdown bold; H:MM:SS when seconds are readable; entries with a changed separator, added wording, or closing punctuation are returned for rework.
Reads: **3:00**
